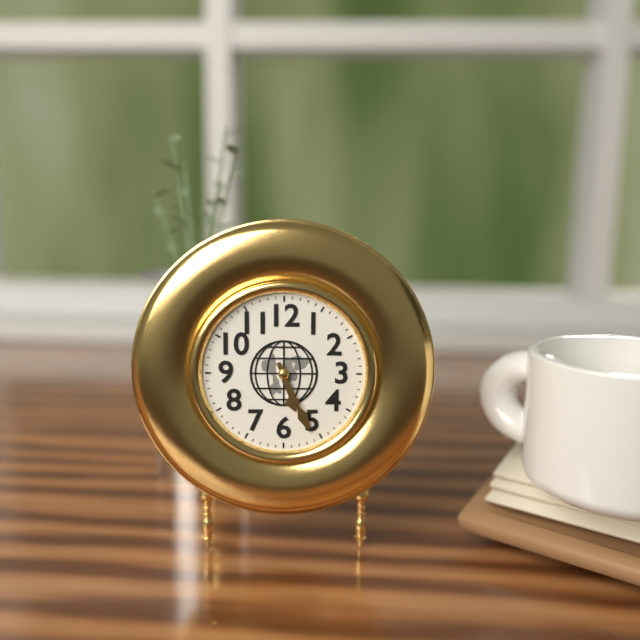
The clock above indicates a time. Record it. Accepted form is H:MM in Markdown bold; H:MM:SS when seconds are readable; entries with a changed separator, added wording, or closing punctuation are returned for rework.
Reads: **5:26**
